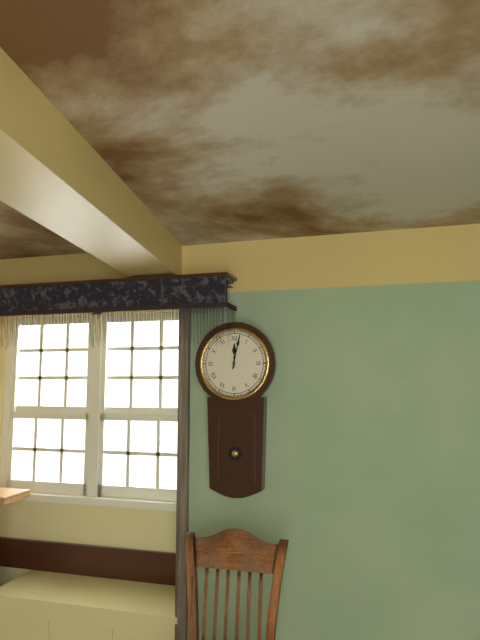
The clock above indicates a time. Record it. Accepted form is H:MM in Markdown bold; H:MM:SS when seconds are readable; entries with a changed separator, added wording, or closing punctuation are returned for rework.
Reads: **12:02**
